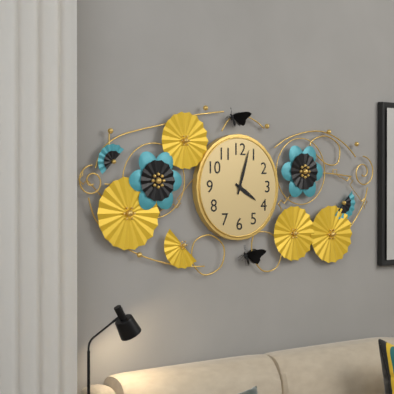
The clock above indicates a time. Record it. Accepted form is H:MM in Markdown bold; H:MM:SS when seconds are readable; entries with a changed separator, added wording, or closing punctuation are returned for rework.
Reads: **4:03**
